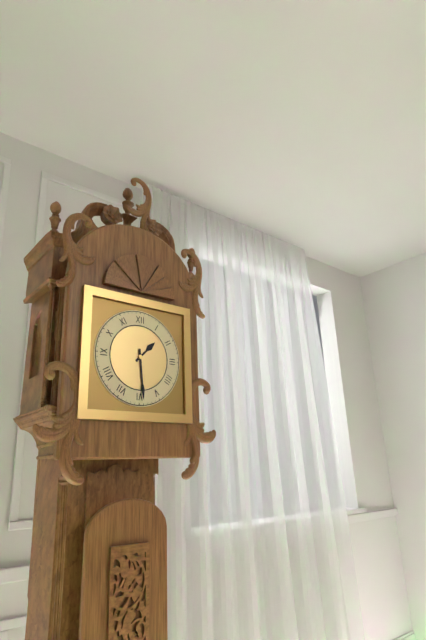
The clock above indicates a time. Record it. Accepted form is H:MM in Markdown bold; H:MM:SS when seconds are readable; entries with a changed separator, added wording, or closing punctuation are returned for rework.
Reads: **1:29**
